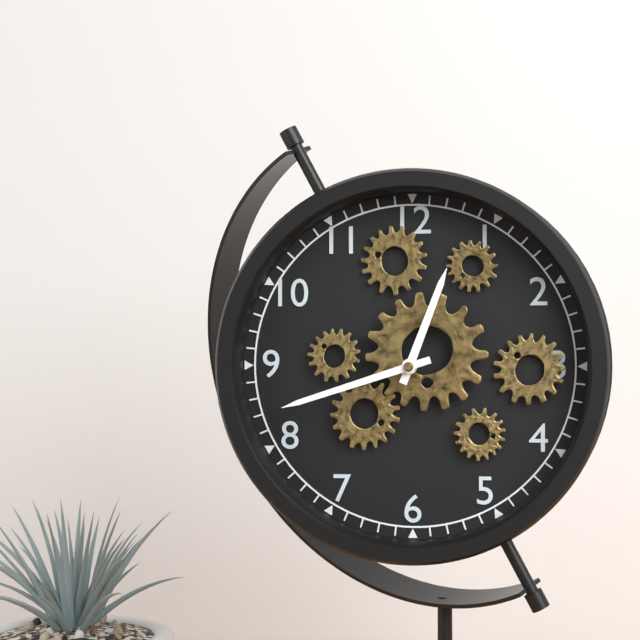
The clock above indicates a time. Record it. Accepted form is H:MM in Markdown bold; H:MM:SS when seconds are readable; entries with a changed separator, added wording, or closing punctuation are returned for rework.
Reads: **12:42**
